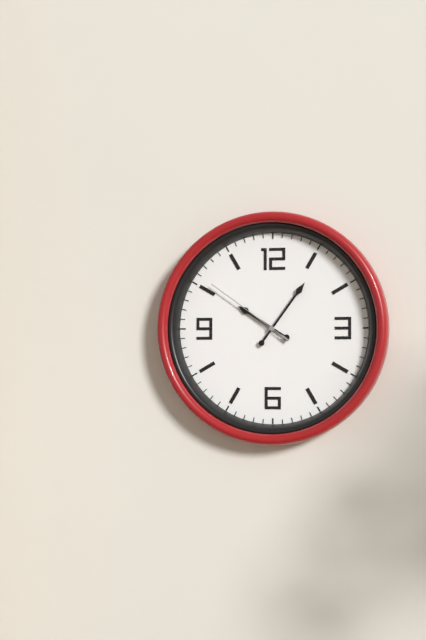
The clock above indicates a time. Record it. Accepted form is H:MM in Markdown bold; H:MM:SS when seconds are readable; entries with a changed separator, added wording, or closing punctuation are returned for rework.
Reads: **10:06:51**
